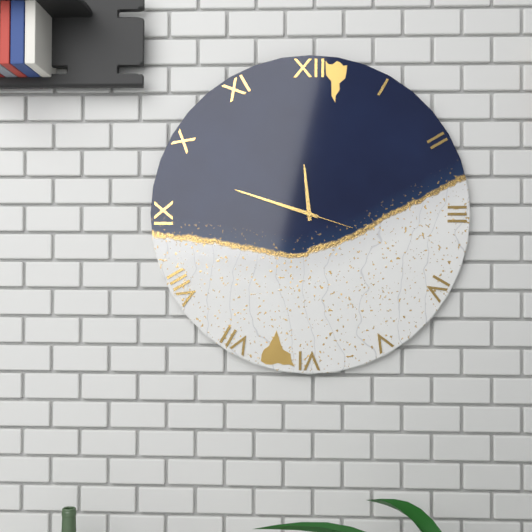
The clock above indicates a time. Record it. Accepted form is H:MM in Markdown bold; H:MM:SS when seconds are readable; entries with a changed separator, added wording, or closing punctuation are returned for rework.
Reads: **11:48:18**
